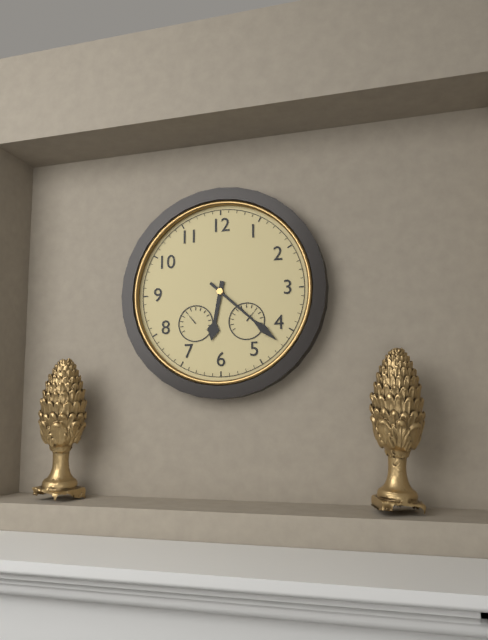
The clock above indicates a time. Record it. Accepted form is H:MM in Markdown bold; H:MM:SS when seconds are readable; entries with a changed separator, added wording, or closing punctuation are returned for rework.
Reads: **6:22**
